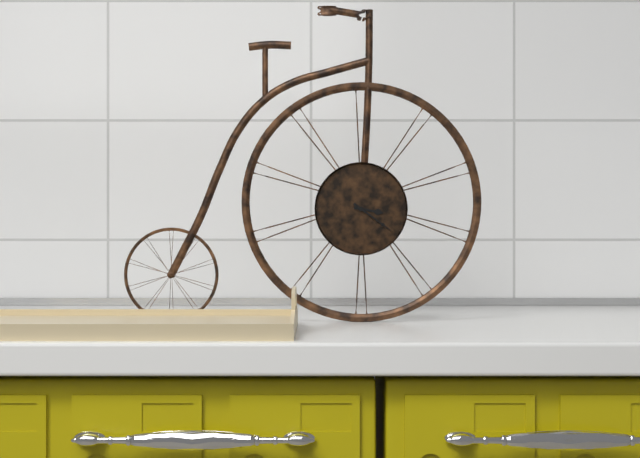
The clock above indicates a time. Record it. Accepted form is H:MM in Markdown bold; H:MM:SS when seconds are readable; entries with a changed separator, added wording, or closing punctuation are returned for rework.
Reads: **3:21**
